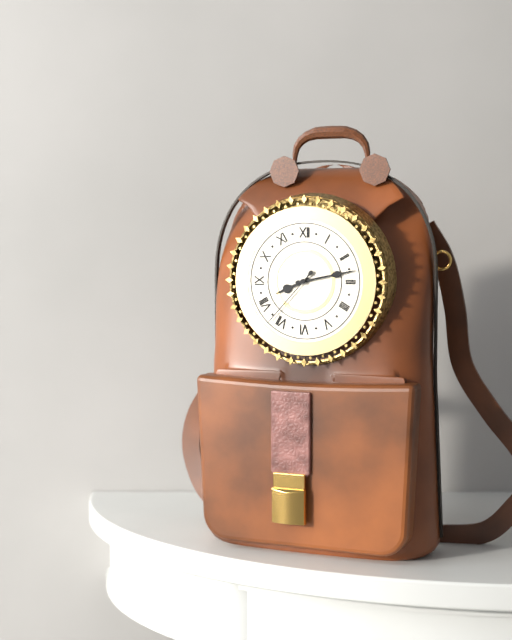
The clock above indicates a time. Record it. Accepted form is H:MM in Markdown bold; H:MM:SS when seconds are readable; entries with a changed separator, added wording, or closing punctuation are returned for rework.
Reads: **8:13:37**
